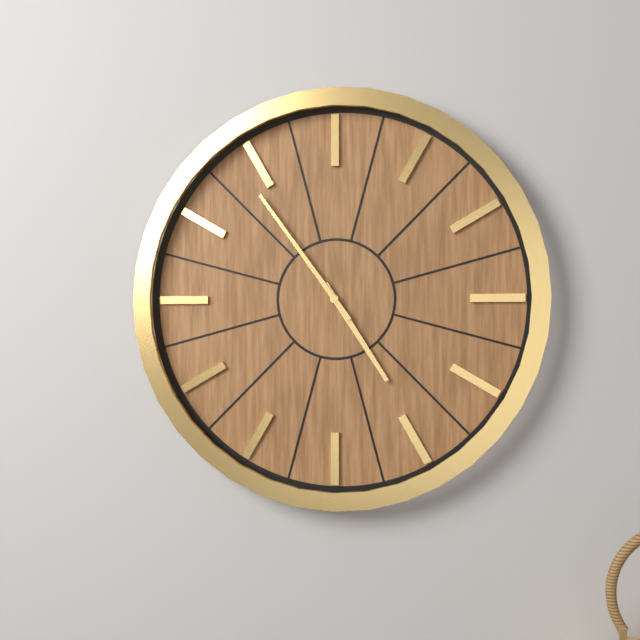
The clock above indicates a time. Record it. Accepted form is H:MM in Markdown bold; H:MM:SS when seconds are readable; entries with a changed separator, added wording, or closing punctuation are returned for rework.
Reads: **4:54**
